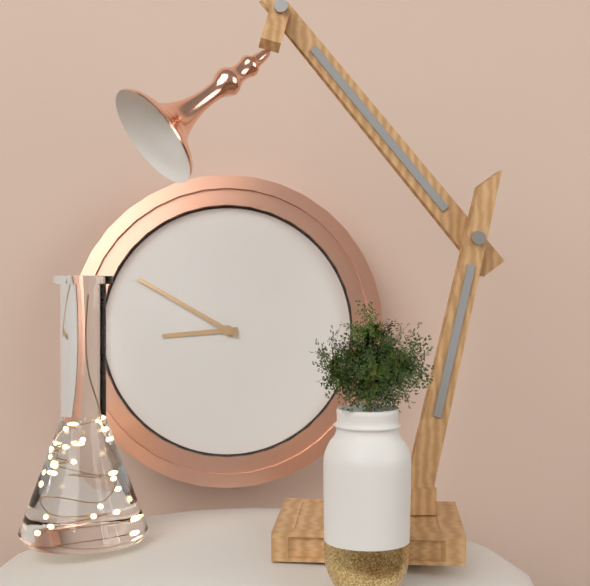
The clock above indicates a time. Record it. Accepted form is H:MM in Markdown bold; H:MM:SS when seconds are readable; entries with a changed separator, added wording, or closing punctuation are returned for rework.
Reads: **8:50**
